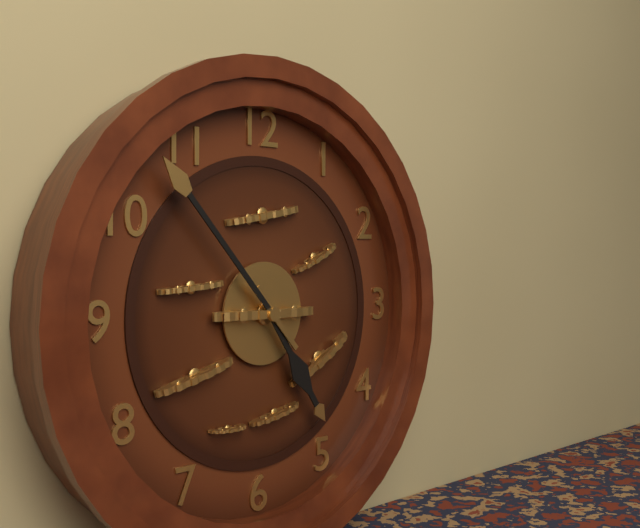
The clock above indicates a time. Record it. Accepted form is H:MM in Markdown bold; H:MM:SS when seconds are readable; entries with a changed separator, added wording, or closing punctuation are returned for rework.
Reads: **4:53**
